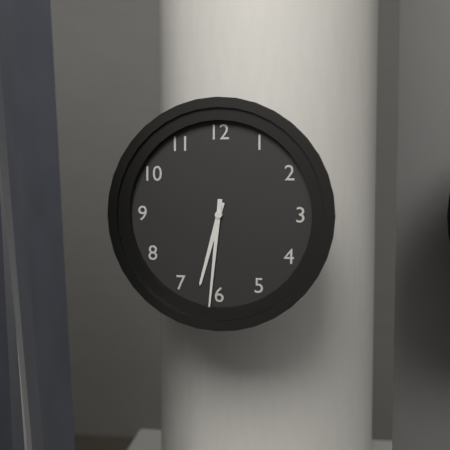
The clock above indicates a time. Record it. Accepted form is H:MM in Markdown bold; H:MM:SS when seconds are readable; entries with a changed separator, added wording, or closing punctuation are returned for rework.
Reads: **6:31**
